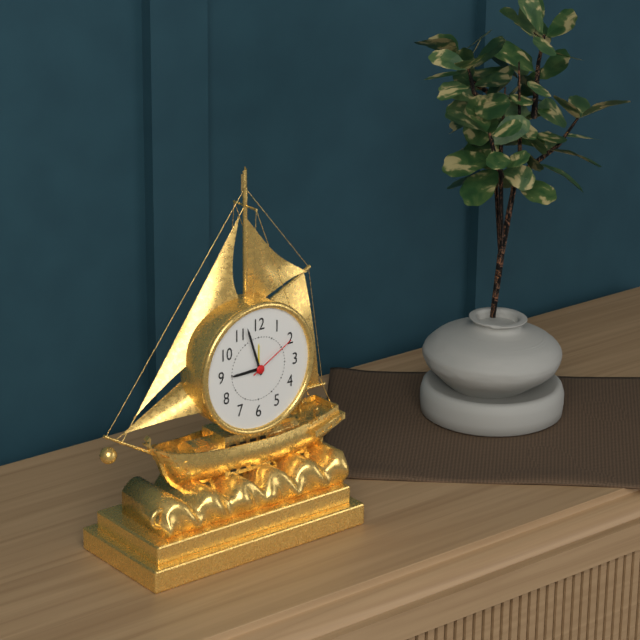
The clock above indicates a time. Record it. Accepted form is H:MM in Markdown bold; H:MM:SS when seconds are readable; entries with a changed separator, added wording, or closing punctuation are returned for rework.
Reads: **8:57:10**
